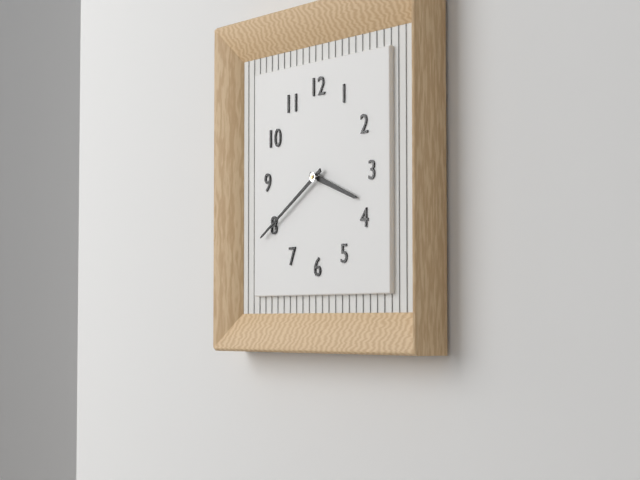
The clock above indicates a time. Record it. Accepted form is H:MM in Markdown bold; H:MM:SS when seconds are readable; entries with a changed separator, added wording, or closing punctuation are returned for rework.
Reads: **3:40**
